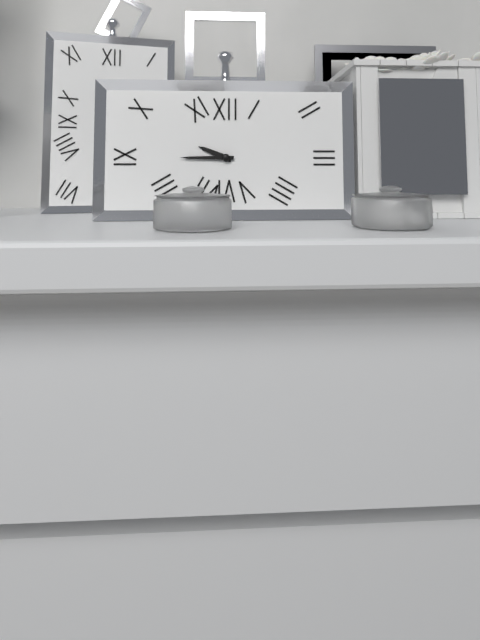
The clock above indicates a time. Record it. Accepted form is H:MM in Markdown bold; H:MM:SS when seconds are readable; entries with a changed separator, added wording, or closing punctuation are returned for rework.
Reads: **9:45**
